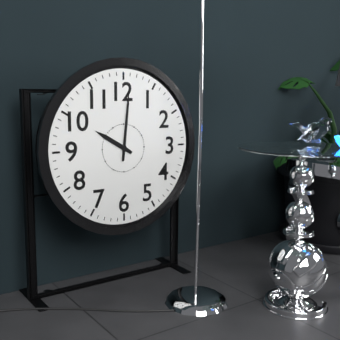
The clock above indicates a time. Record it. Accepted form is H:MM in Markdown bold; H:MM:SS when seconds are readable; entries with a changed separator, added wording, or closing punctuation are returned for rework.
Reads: **10:01**
